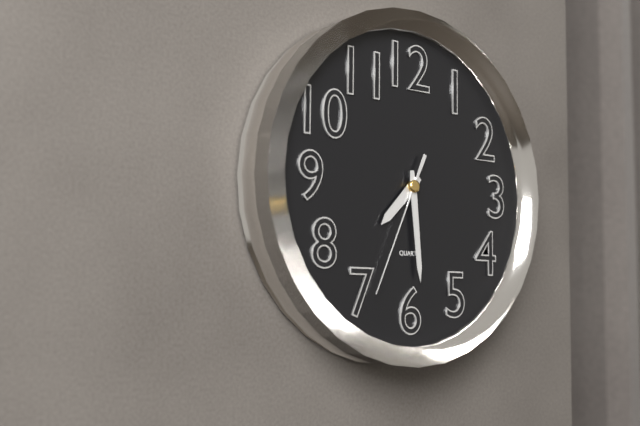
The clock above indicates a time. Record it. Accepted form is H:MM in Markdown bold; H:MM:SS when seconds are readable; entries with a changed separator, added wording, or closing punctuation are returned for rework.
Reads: **7:29:34**
